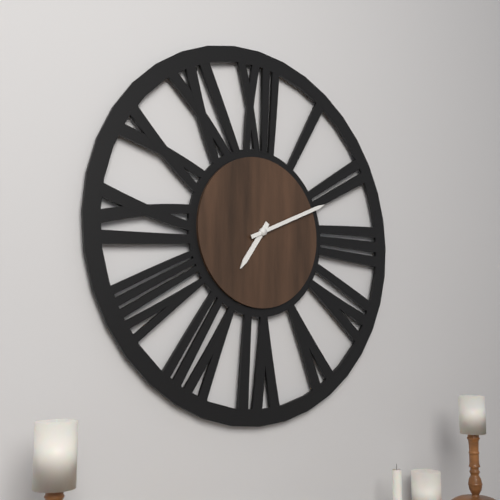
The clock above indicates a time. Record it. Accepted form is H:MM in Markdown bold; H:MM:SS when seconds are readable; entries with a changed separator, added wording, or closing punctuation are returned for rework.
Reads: **7:11**
